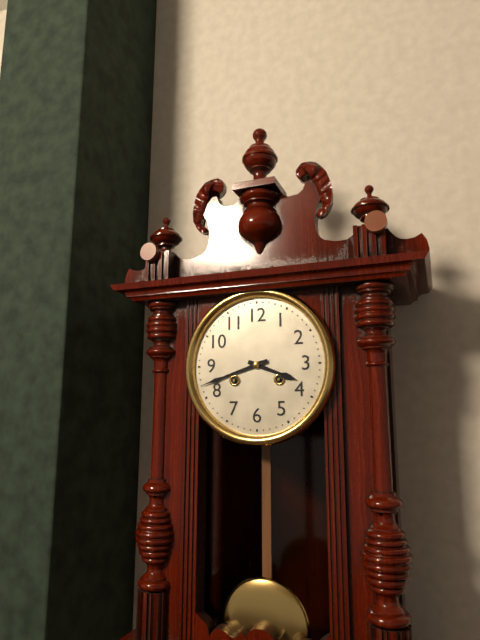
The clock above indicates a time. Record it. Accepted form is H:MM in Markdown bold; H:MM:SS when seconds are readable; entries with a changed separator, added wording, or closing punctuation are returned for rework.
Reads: **3:42**
